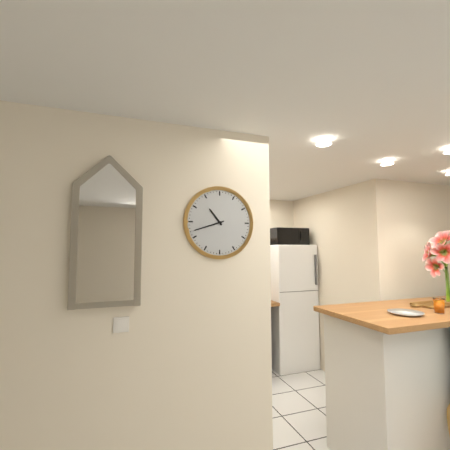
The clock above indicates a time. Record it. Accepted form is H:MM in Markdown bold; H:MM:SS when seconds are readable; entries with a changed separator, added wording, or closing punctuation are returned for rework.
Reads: **10:42**
